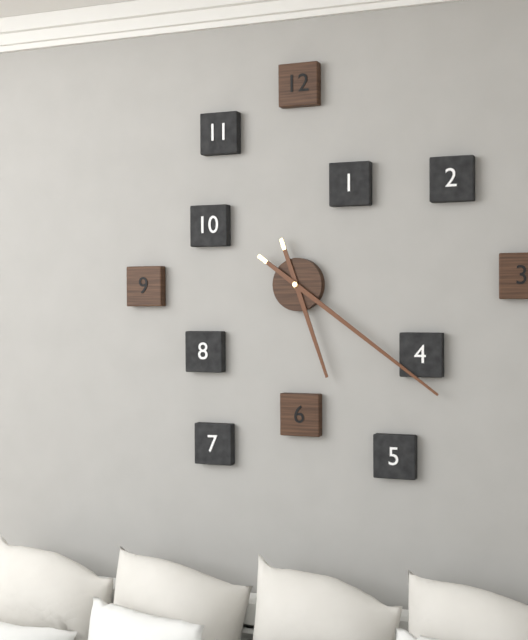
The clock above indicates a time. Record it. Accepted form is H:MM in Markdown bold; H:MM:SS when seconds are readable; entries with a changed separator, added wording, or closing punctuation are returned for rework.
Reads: **5:21**
